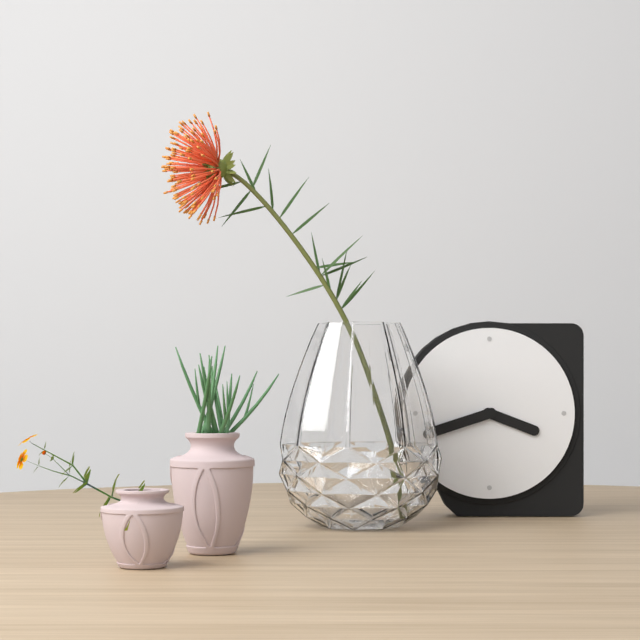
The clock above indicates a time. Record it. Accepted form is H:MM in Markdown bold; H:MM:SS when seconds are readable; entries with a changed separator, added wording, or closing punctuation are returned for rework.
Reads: **3:42**
